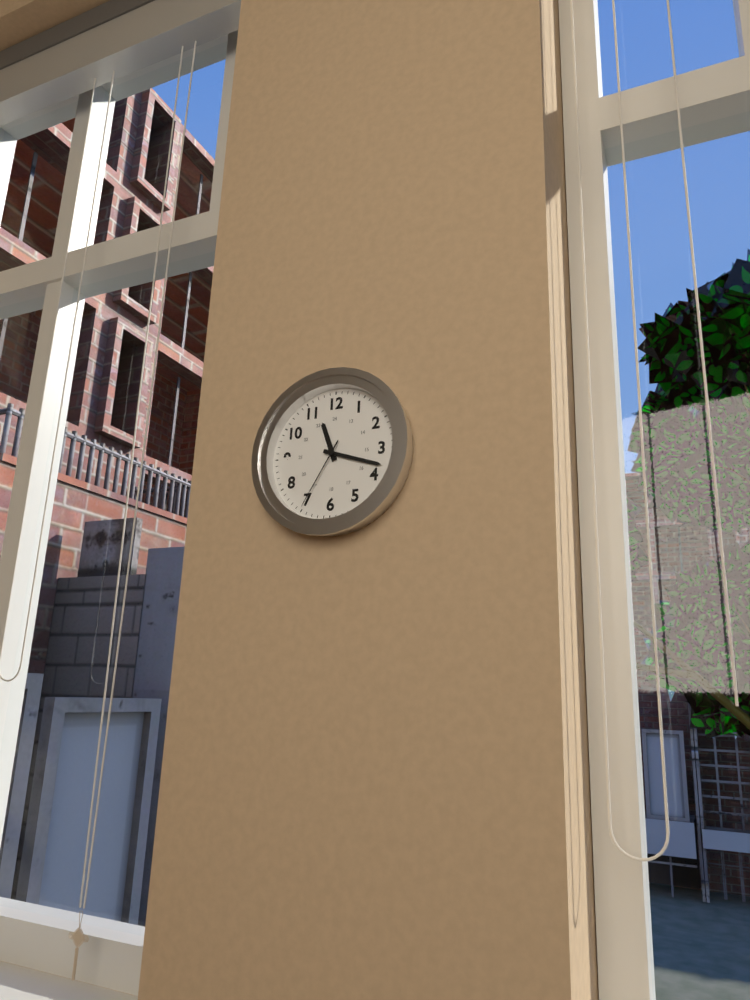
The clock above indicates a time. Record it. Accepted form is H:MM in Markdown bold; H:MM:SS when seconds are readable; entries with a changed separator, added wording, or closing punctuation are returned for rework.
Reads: **11:18:35**
